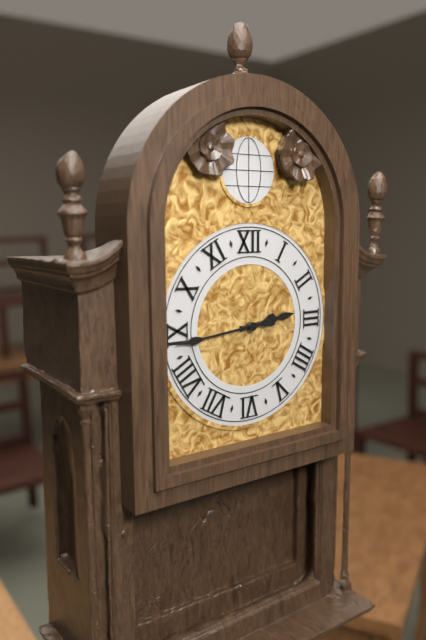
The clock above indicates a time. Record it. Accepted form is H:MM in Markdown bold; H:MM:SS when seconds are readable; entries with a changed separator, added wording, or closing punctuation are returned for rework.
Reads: **2:44**
